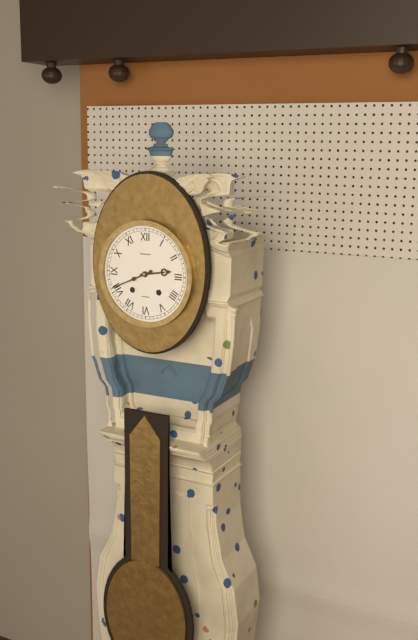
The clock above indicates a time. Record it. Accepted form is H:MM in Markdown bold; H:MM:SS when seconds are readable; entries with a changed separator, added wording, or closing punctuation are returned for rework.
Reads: **2:41**
